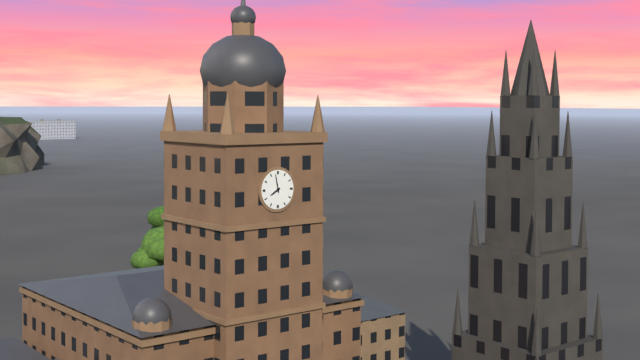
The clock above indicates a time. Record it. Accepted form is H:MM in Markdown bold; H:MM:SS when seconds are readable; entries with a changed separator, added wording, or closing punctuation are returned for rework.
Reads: **7:58**
